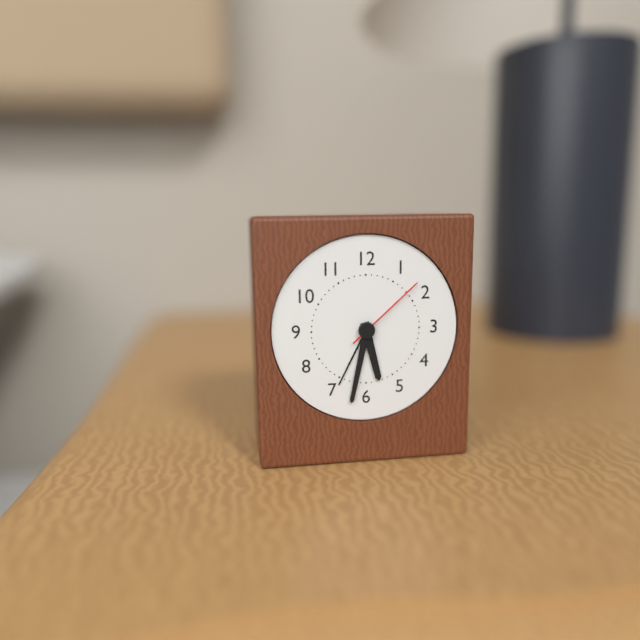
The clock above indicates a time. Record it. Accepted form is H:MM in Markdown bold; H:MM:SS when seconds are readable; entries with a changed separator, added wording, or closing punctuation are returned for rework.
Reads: **5:32:08**
